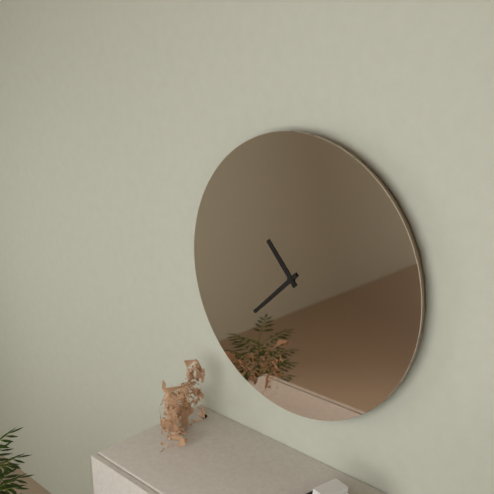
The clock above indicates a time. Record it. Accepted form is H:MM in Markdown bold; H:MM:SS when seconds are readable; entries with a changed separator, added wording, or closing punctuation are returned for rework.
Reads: **10:38**
